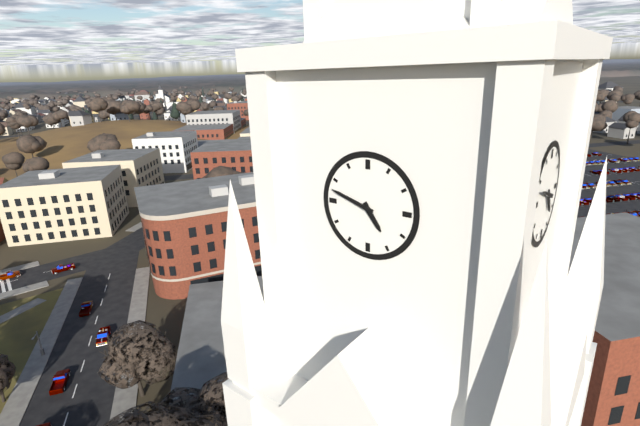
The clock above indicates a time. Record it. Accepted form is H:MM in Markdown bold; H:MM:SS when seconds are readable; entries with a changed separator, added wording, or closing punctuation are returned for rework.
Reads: **4:48**
